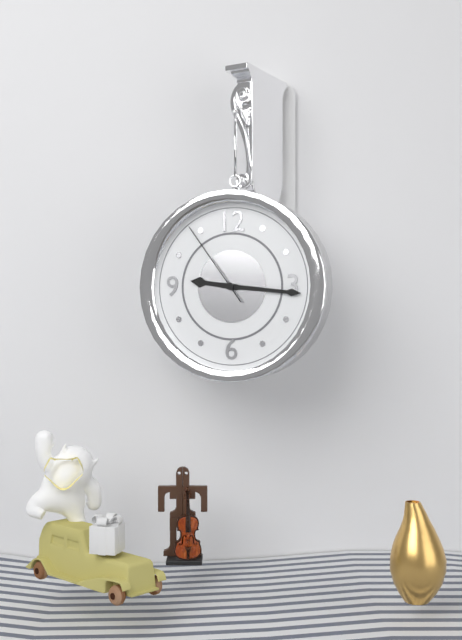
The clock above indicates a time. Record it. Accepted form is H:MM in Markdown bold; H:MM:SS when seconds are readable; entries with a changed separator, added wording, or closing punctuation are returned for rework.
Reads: **9:16:54**
